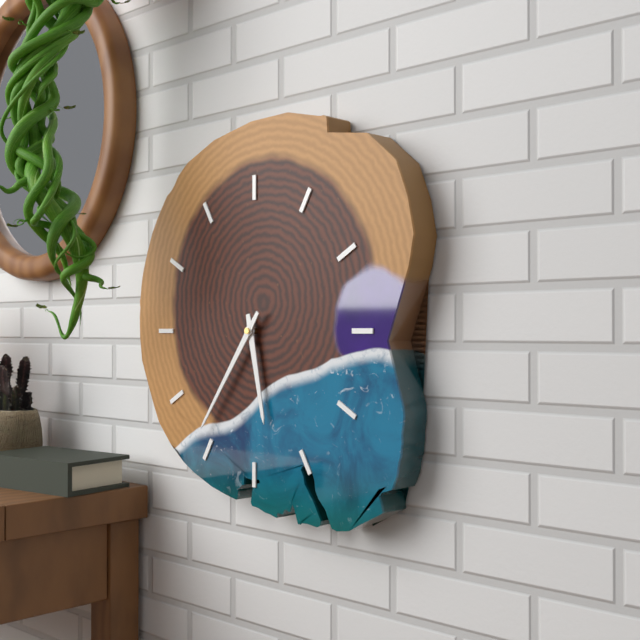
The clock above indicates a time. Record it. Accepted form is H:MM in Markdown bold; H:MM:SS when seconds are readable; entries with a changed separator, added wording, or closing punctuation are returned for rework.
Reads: **5:36**
